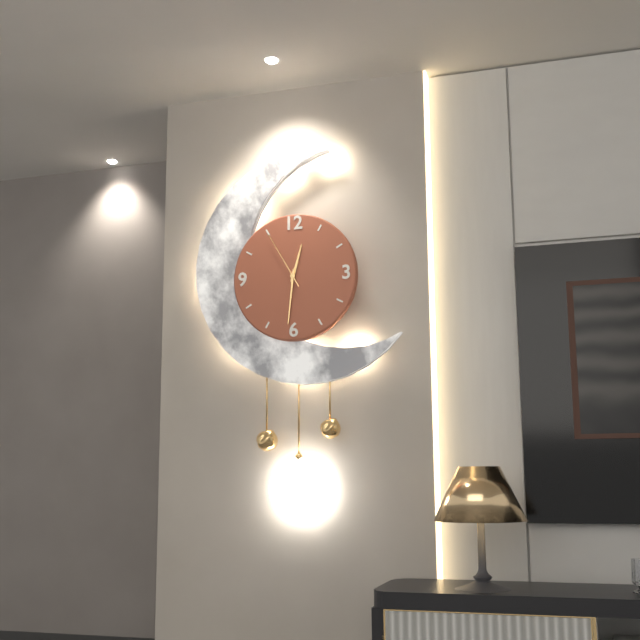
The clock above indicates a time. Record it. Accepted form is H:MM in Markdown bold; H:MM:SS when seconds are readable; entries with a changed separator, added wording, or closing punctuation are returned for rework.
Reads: **12:31:55**
